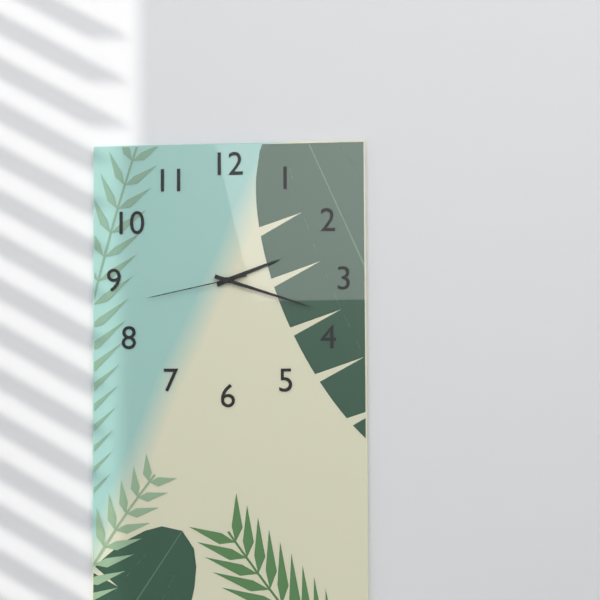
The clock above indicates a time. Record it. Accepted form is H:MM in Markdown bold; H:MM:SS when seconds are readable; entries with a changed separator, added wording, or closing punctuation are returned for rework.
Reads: **2:18:43**
